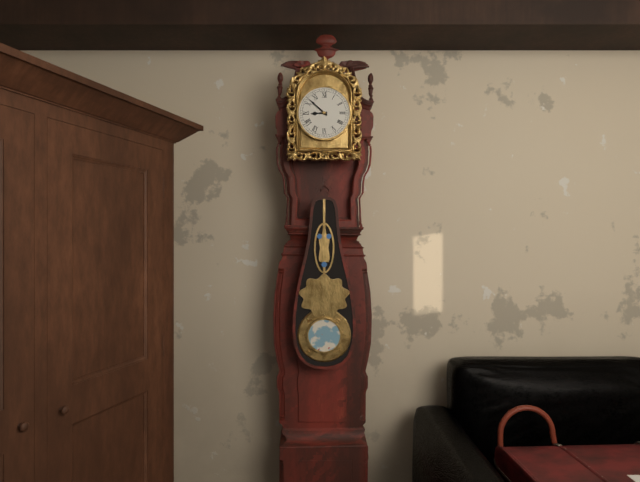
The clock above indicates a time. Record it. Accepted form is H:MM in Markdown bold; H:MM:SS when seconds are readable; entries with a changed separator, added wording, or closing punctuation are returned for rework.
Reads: **8:52**
